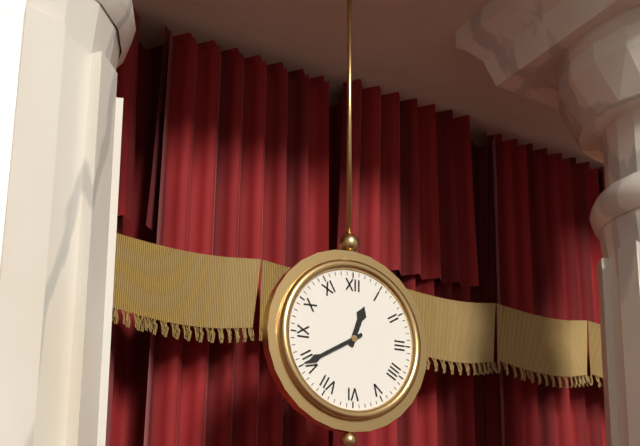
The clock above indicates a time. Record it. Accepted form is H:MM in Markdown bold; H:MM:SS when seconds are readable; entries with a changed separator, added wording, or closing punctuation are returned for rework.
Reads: **12:40**
